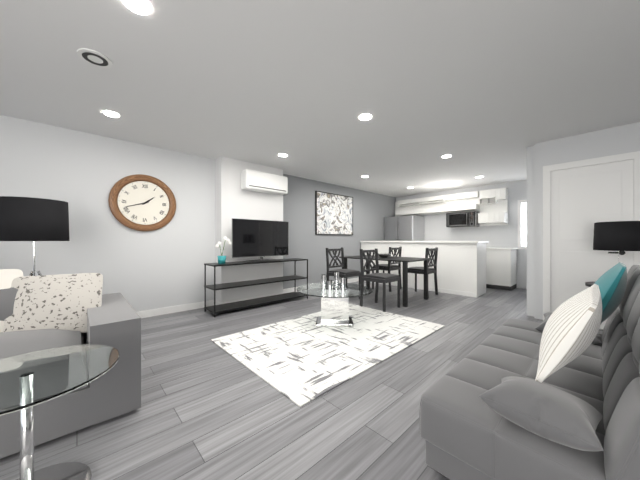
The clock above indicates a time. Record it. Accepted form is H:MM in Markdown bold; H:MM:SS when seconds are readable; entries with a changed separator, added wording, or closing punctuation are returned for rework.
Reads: **1:42**
